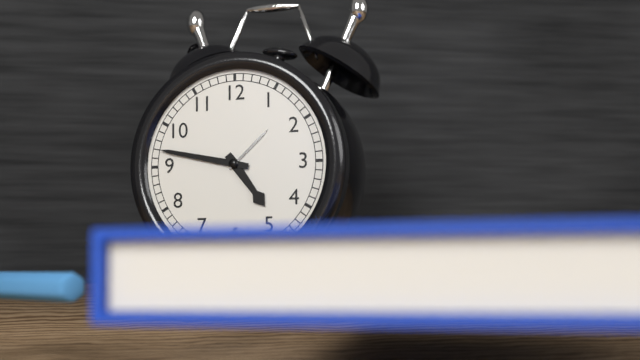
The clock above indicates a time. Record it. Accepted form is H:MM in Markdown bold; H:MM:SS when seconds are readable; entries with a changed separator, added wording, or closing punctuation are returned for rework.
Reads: **4:47**
